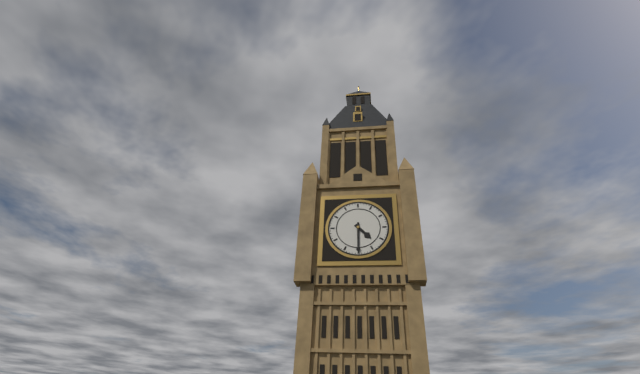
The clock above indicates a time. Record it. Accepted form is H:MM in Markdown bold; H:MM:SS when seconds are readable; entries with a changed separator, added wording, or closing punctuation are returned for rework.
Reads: **4:30**
